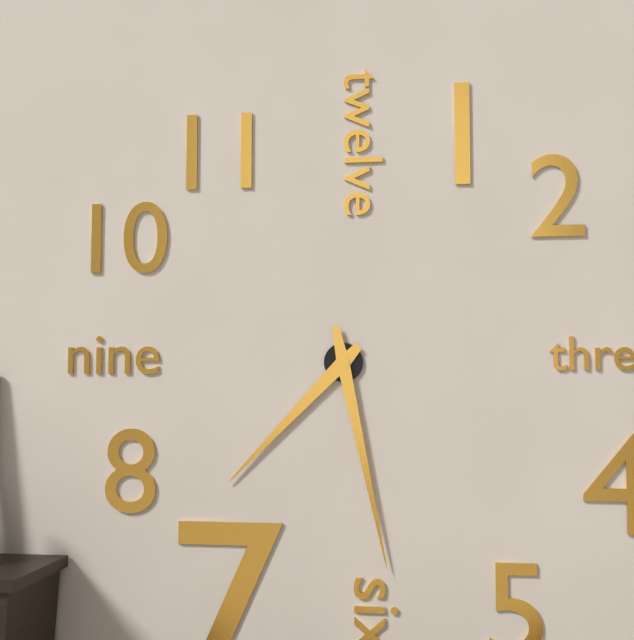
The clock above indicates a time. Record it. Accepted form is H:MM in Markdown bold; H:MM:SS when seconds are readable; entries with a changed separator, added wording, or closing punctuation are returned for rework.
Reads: **7:28**
